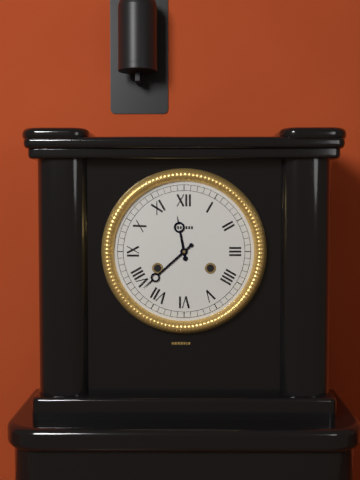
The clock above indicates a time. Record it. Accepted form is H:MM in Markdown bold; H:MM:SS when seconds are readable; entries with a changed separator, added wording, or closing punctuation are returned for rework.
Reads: **11:38**
